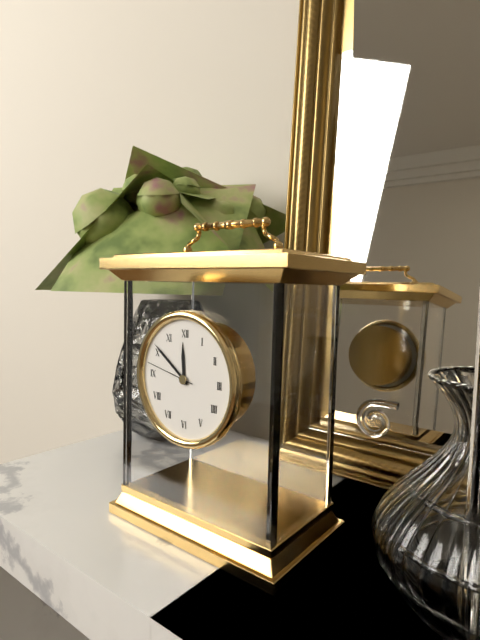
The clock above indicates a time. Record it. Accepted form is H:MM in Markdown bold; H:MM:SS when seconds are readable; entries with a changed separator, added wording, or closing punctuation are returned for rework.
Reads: **11:51:47**
